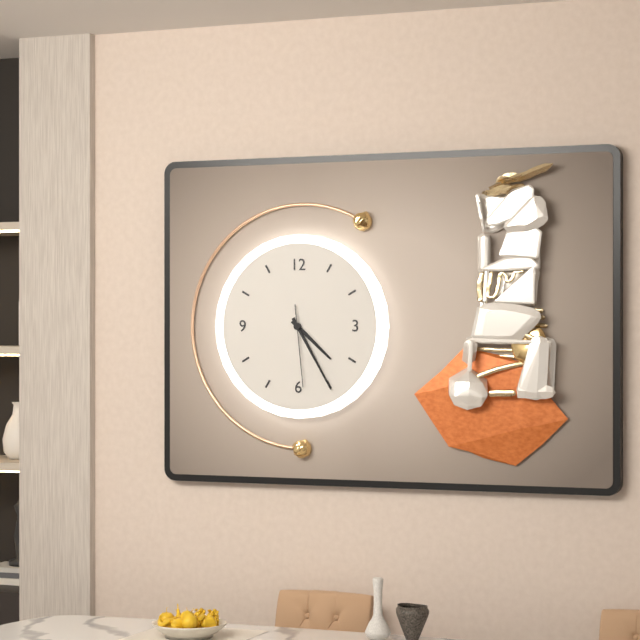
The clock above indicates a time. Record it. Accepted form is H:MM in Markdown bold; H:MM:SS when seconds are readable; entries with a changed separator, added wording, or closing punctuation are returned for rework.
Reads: **4:25:29**
